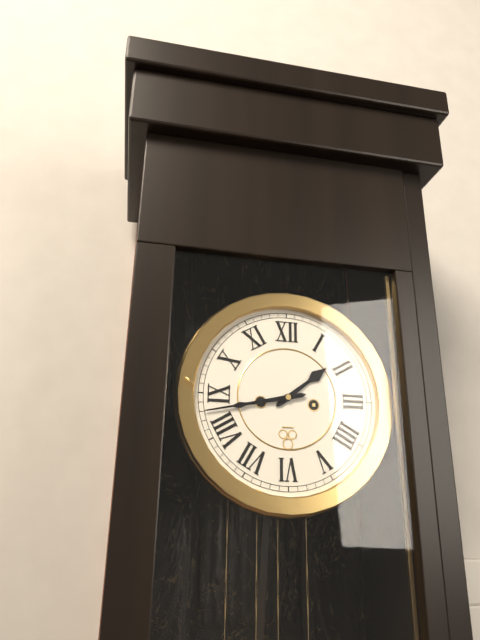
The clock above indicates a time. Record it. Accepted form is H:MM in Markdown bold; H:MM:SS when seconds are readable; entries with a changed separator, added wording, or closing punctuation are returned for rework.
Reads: **1:43**
